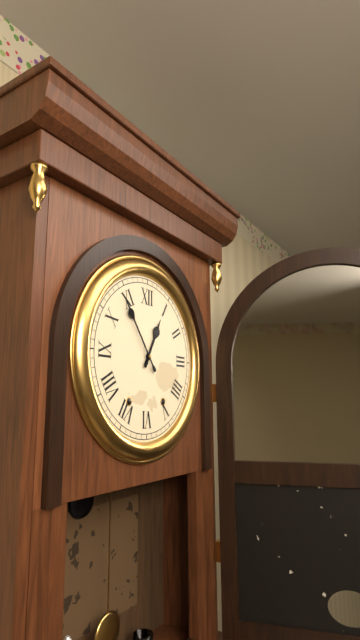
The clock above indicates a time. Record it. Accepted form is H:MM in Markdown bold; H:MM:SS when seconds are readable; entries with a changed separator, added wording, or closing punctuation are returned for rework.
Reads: **12:54**
